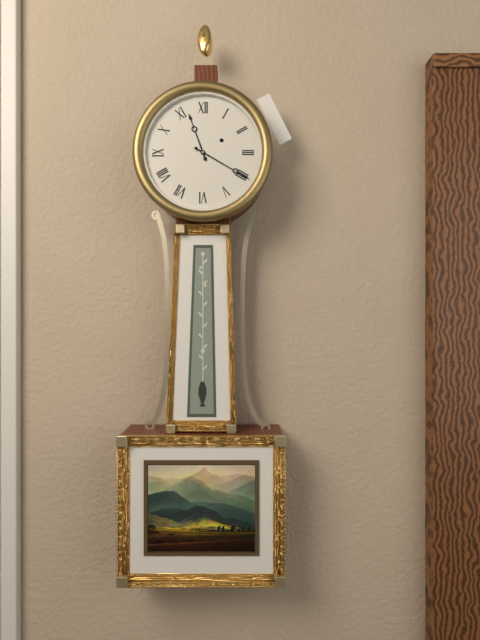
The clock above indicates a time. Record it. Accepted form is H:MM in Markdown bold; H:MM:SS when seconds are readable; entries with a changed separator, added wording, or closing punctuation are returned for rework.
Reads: **11:20**
